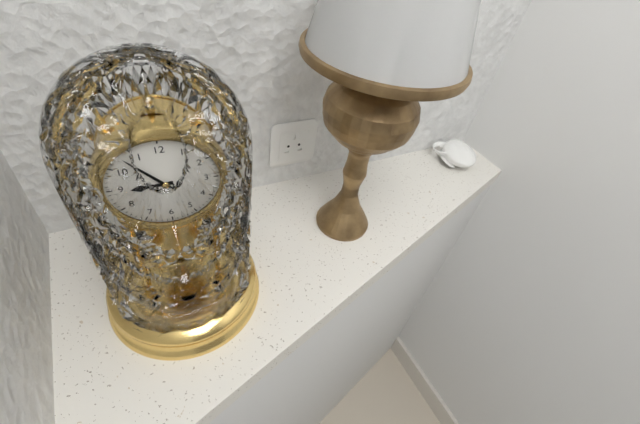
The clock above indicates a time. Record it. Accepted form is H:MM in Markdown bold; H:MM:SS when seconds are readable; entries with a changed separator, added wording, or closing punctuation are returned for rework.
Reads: **8:53**
